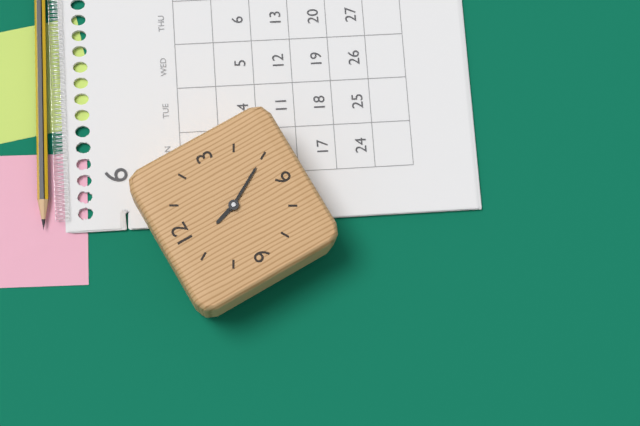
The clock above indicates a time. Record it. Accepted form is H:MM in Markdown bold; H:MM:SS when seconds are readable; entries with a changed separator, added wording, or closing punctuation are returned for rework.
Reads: **11:25**
